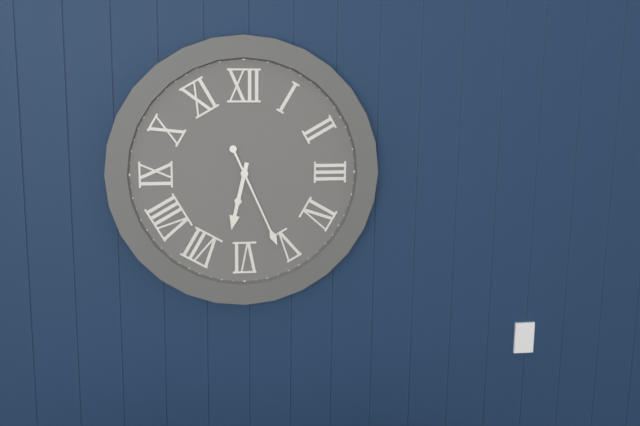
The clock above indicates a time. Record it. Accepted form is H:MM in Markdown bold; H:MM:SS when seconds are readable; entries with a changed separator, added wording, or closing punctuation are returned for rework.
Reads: **6:26**
